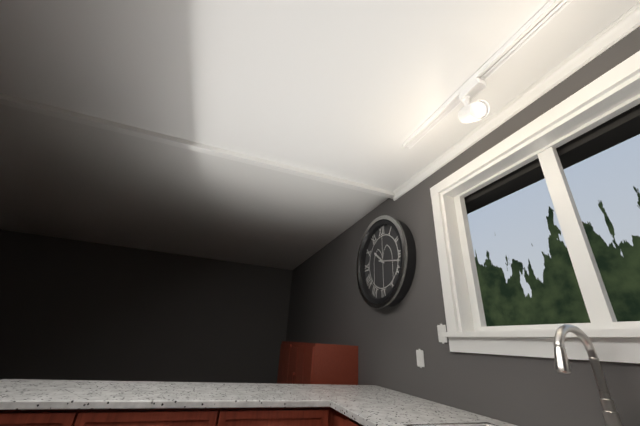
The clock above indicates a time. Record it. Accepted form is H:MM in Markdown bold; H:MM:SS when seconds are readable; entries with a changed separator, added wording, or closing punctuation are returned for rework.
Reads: **10:17**
